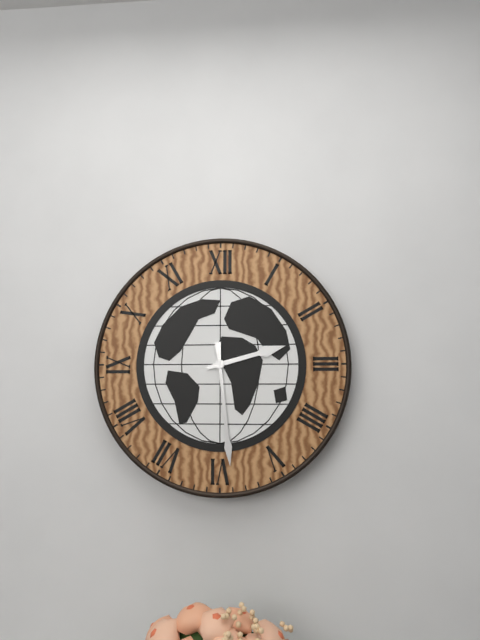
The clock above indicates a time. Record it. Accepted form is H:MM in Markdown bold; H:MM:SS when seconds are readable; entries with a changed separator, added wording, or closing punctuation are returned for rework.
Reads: **2:29**
